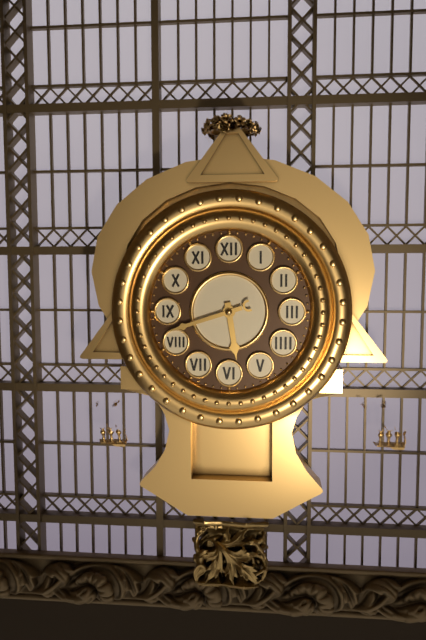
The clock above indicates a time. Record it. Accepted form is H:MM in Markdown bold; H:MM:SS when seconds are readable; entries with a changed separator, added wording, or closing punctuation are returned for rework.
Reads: **5:42**
